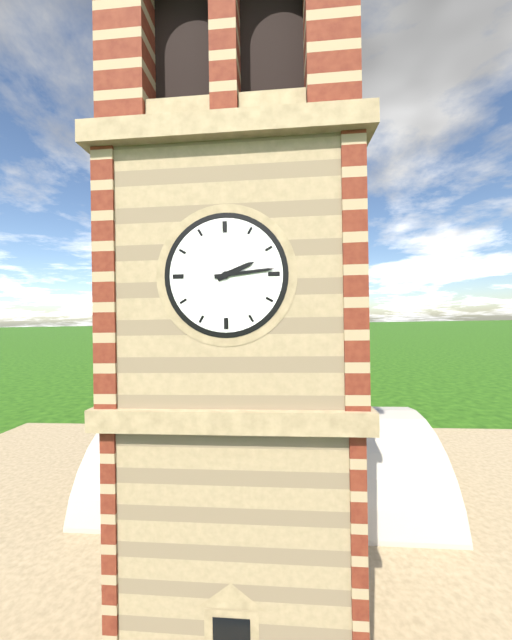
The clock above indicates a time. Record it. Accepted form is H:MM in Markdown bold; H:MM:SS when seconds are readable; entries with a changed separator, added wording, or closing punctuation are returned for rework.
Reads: **2:14**
